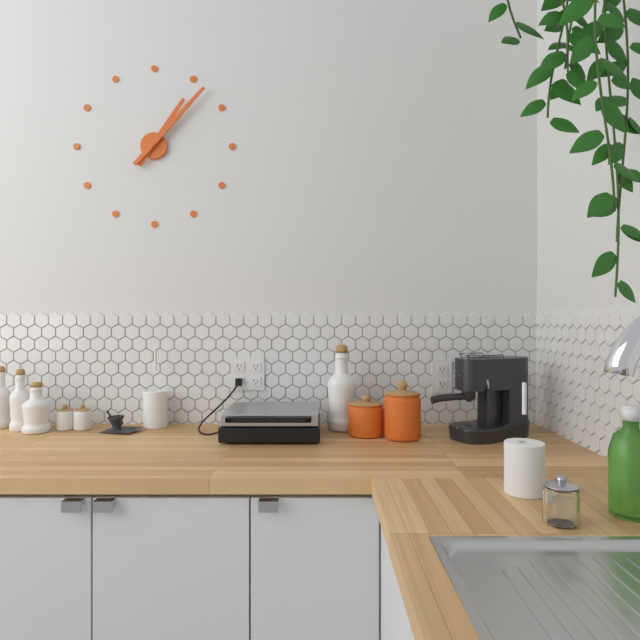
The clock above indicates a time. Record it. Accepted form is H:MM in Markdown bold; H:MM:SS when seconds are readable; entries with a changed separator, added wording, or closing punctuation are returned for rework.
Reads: **1:07**
